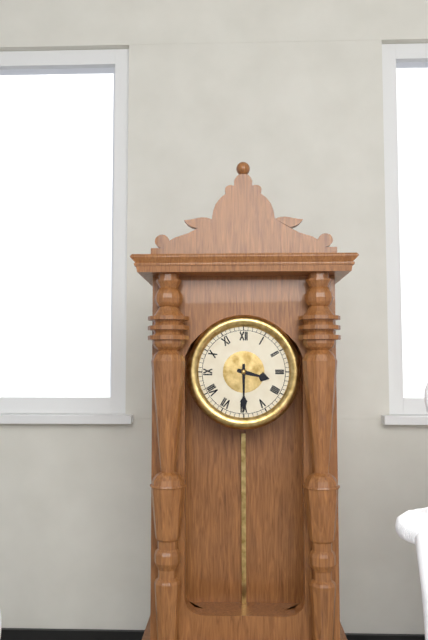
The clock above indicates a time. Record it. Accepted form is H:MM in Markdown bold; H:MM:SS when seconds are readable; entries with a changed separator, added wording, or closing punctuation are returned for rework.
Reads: **3:30**
